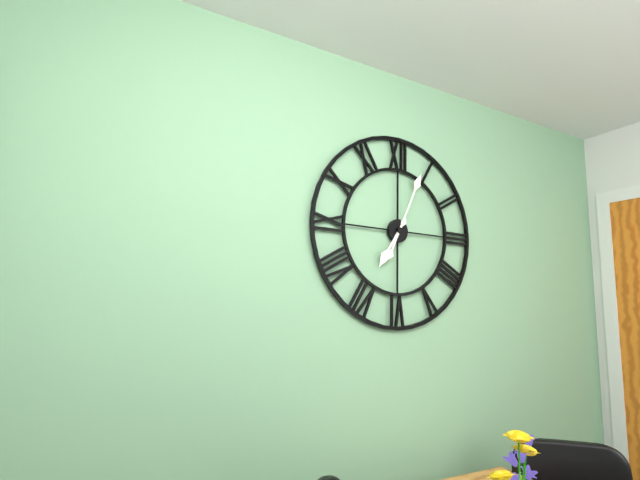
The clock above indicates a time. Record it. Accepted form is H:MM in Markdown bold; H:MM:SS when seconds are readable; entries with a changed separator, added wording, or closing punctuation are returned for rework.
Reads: **7:04**
